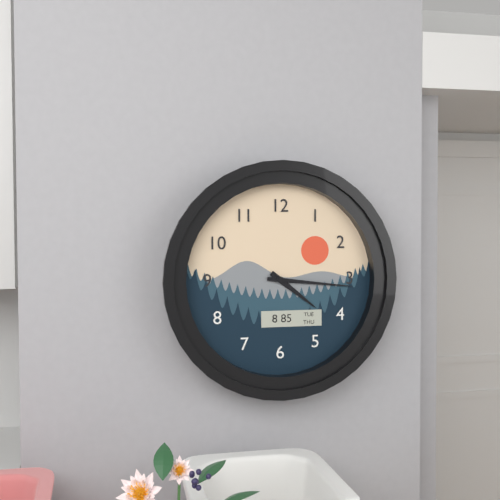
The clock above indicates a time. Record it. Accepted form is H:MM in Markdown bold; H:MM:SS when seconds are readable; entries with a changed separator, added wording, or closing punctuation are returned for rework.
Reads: **4:16**
